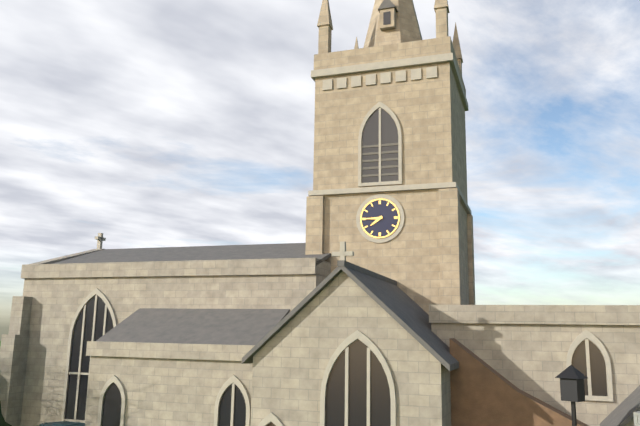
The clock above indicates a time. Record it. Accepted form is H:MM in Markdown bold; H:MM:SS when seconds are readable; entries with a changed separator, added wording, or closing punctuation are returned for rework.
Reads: **7:45**
